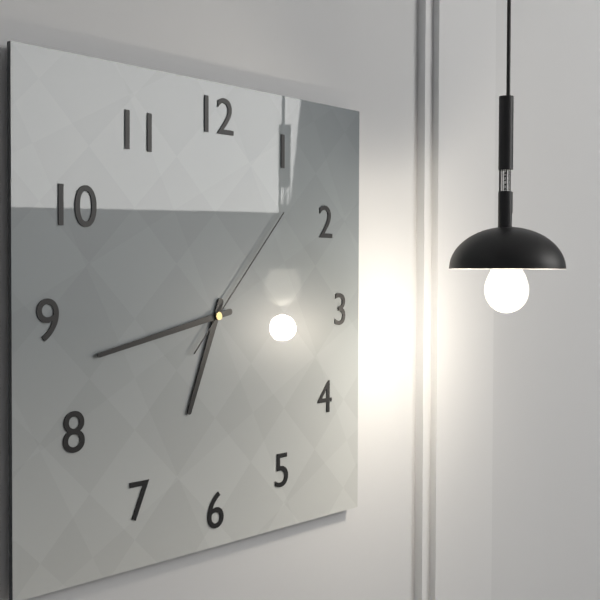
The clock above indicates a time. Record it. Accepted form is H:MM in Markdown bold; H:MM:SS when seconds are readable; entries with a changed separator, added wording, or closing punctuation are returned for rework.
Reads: **6:43:07**
